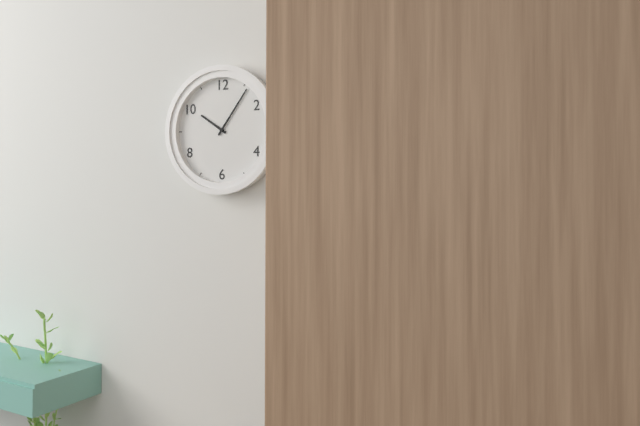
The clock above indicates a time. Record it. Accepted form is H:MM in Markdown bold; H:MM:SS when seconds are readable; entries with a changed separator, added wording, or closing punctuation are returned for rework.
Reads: **10:06**
